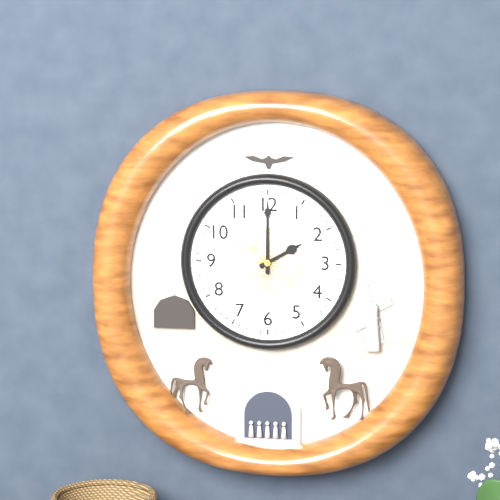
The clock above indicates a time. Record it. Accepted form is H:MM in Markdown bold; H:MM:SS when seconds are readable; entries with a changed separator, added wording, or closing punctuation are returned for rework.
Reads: **2:00**
